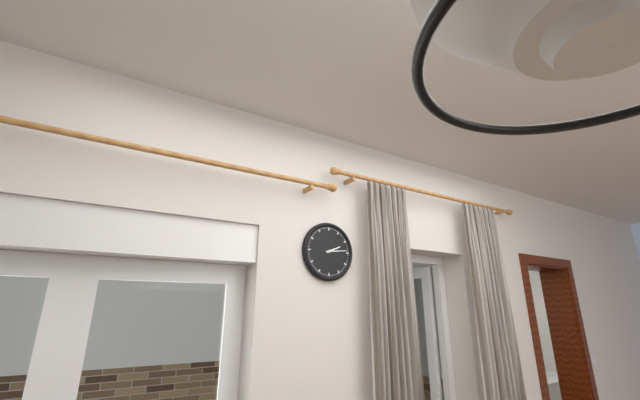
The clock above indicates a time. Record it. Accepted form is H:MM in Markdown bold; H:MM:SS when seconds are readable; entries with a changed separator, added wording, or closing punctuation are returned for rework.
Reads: **2:14**
